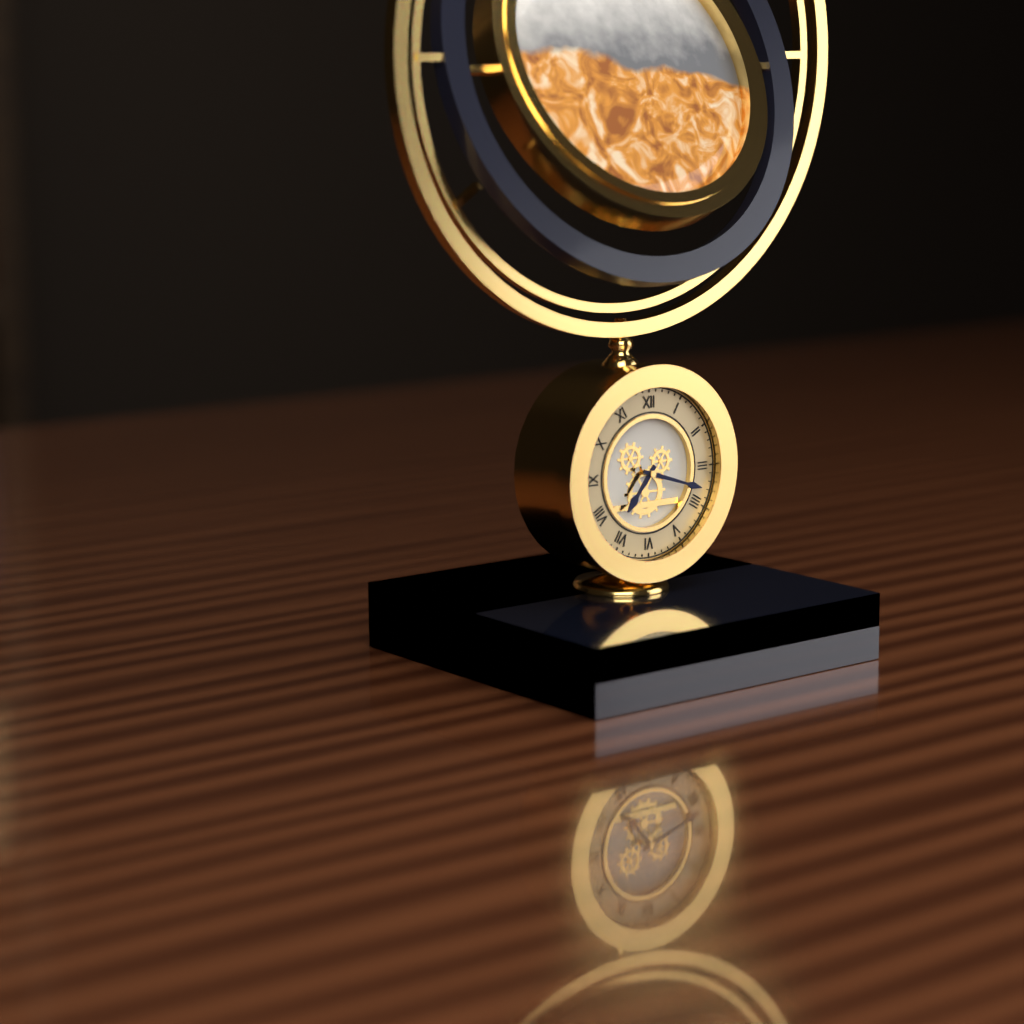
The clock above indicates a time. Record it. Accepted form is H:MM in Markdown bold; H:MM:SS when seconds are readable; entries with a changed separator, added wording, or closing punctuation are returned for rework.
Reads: **7:18**
